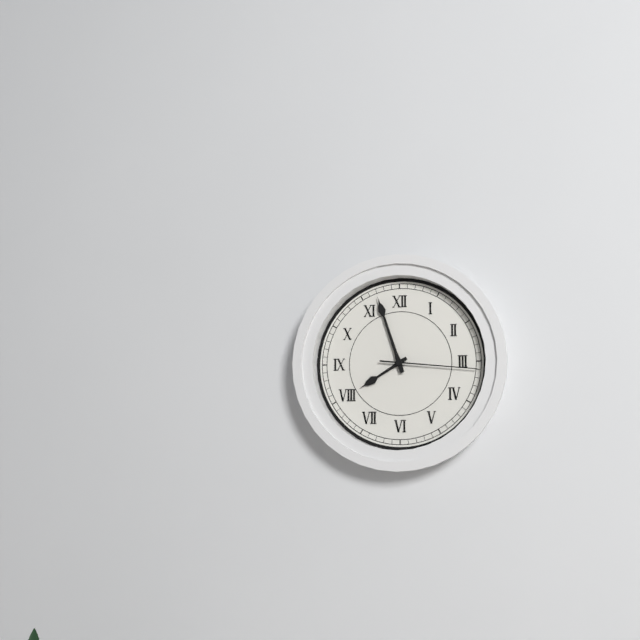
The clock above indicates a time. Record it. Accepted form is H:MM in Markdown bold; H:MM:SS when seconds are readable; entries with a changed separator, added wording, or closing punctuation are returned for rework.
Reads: **7:57:16**
